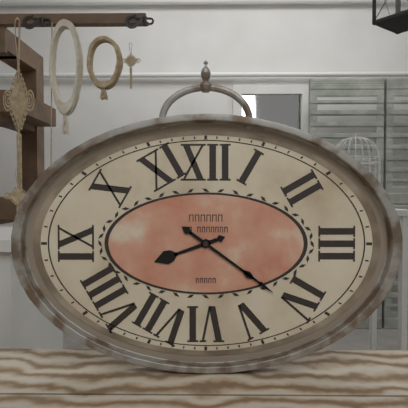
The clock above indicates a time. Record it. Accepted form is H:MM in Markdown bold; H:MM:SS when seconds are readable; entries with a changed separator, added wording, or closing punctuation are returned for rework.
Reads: **8:21**
